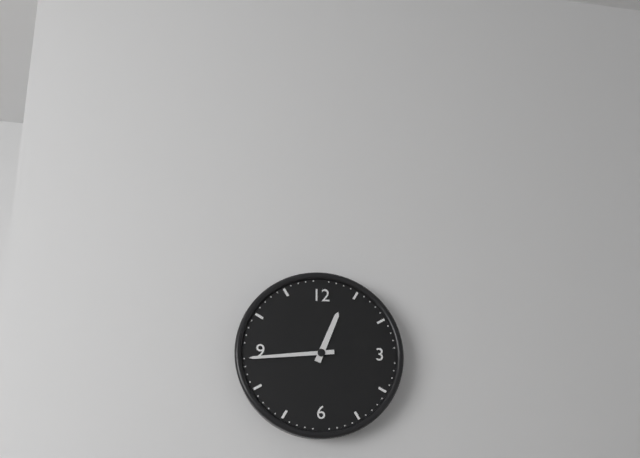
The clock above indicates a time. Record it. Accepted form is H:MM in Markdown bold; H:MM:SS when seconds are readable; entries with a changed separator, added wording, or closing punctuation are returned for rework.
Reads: **12:44**
